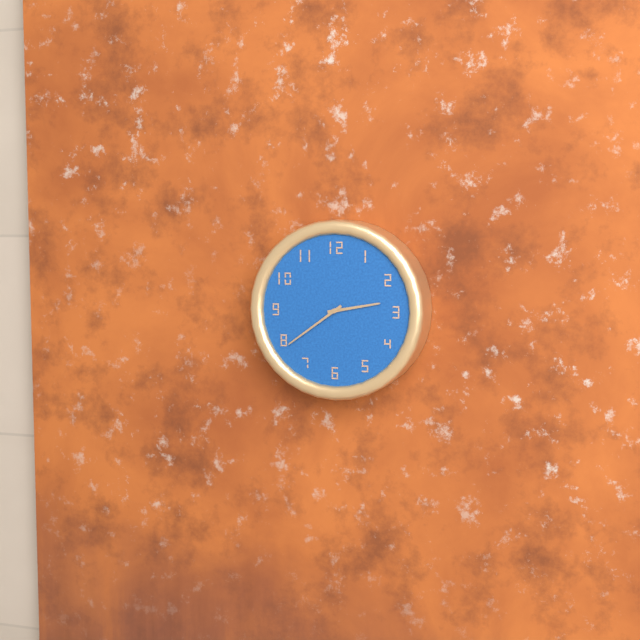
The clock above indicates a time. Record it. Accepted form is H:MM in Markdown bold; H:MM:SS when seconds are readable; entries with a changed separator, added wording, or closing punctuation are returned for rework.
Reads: **2:39**
